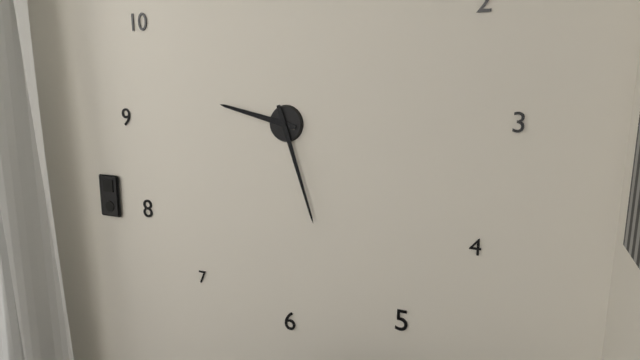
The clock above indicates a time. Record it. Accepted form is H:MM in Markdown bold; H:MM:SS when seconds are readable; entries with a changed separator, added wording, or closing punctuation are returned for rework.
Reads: **9:27**
